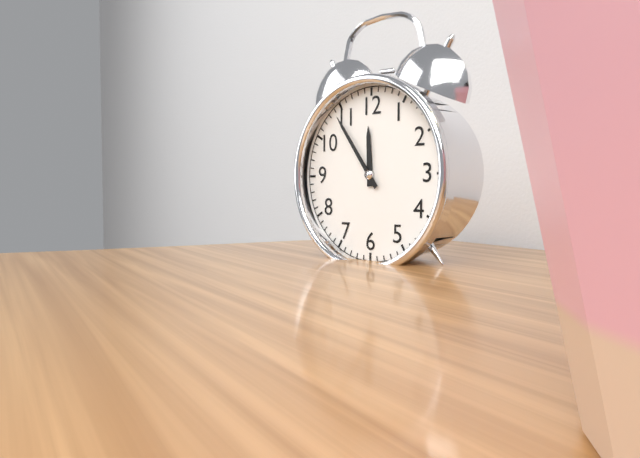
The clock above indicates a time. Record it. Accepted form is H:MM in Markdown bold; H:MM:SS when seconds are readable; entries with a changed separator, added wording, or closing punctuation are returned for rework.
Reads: **11:54**
